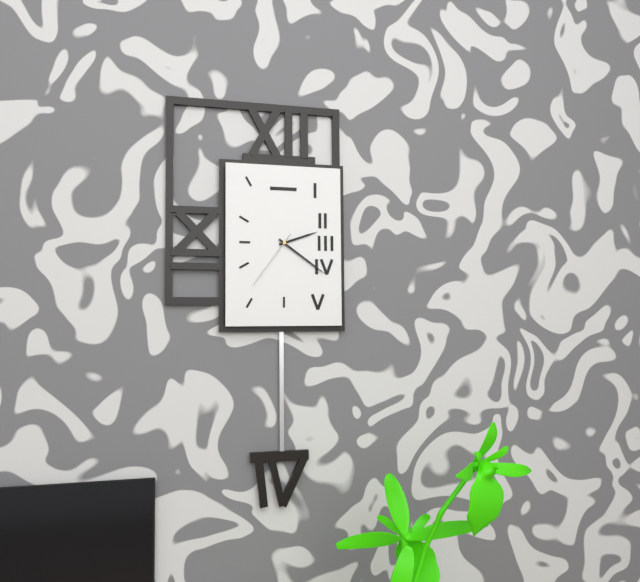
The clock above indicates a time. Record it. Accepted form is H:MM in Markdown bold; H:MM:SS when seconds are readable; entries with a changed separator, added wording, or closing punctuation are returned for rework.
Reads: **2:21:36**
